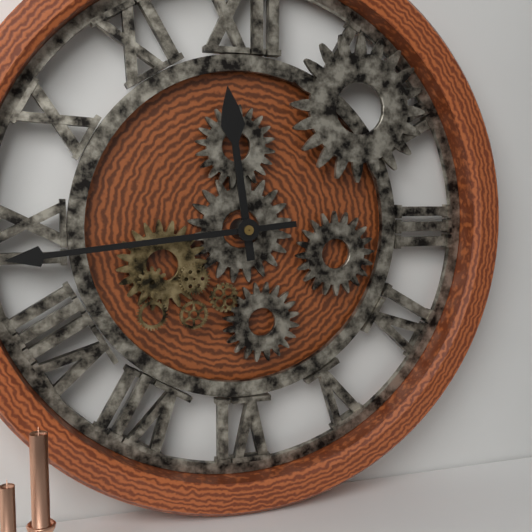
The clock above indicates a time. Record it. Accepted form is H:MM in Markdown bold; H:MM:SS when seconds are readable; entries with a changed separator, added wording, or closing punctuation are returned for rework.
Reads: **11:44**
